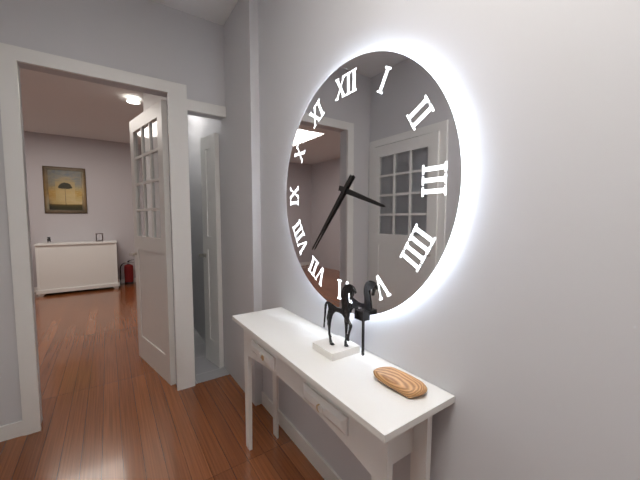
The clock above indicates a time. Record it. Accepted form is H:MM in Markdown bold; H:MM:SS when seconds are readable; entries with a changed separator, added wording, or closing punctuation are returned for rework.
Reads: **3:37**
